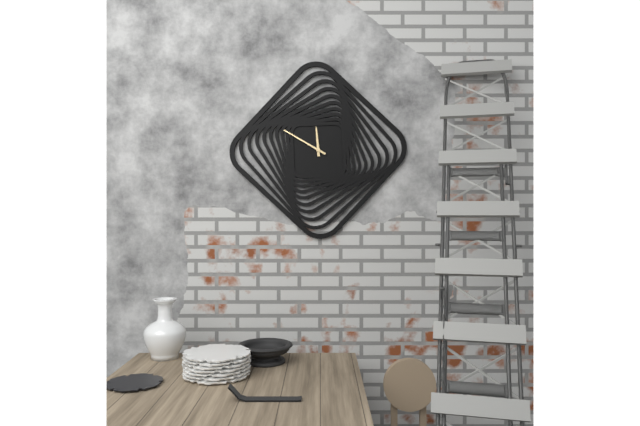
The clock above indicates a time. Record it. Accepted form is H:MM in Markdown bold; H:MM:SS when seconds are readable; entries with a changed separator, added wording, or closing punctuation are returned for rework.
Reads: **11:50**
